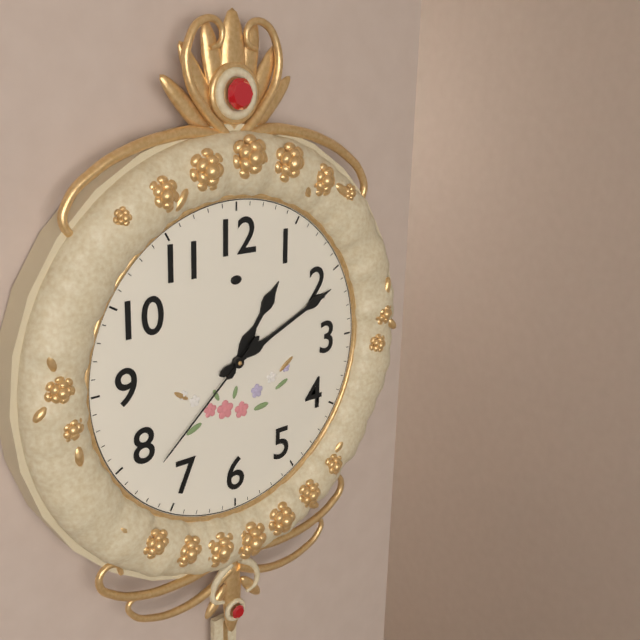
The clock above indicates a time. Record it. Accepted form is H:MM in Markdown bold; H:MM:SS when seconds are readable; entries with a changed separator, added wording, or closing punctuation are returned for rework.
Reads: **1:11:38**
